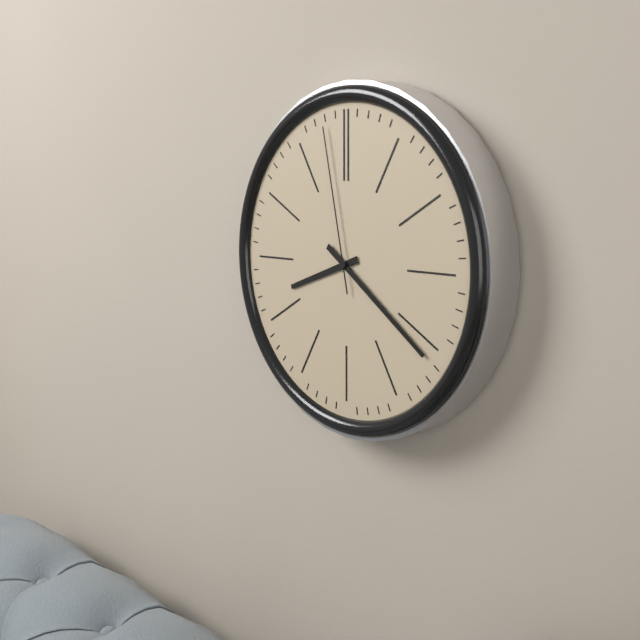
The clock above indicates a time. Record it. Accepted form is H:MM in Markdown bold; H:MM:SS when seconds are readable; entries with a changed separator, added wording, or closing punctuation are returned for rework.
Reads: **8:21:58**
